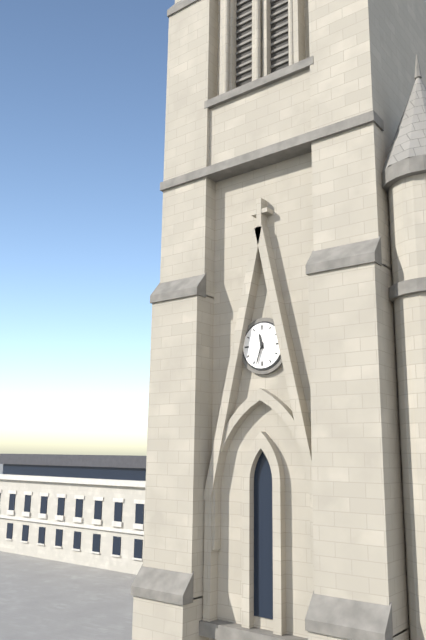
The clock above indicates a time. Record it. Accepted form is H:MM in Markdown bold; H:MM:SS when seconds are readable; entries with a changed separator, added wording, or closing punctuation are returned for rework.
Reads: **11:33**
